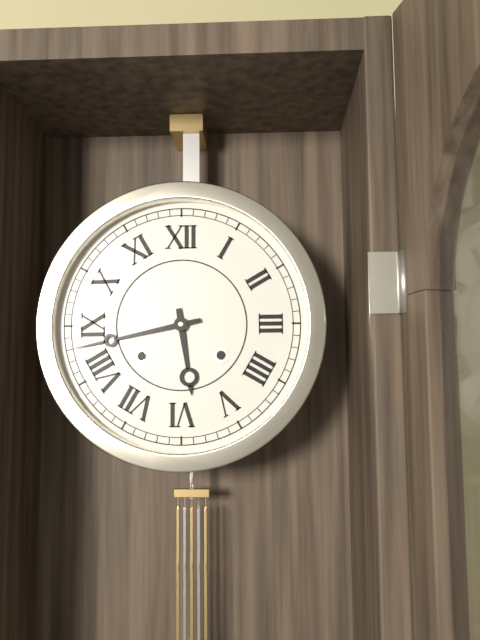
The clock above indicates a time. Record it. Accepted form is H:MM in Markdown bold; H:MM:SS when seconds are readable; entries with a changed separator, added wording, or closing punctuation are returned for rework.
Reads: **5:43**
